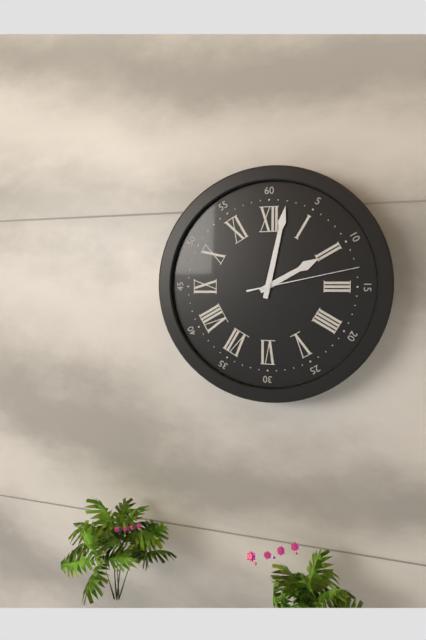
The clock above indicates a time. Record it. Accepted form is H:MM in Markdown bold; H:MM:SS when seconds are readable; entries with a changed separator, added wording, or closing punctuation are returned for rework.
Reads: **2:02:13**
